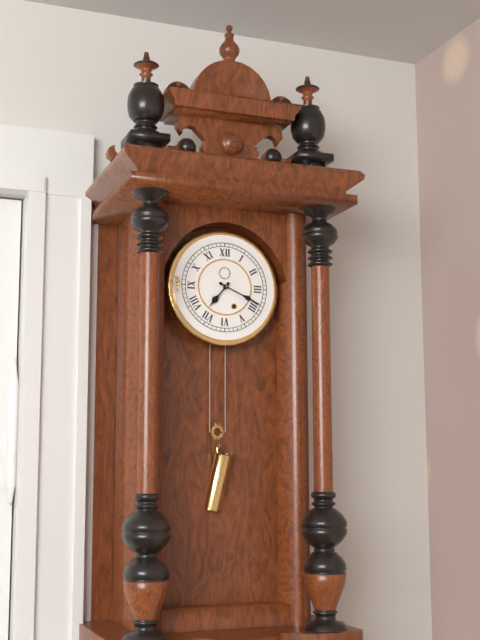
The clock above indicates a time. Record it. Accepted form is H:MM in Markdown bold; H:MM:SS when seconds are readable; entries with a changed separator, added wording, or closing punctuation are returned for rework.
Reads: **7:19**
